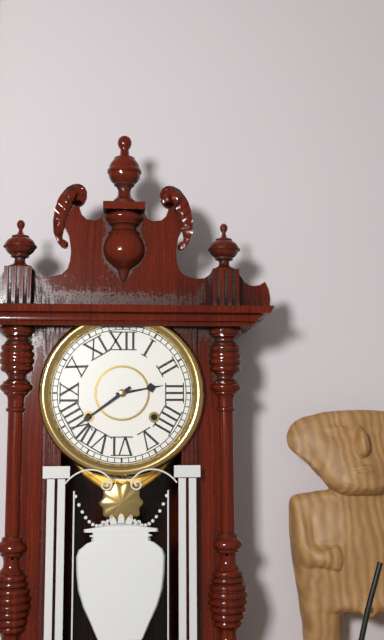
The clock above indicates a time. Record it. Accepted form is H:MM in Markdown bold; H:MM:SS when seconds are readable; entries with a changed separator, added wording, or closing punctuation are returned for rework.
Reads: **2:39**
